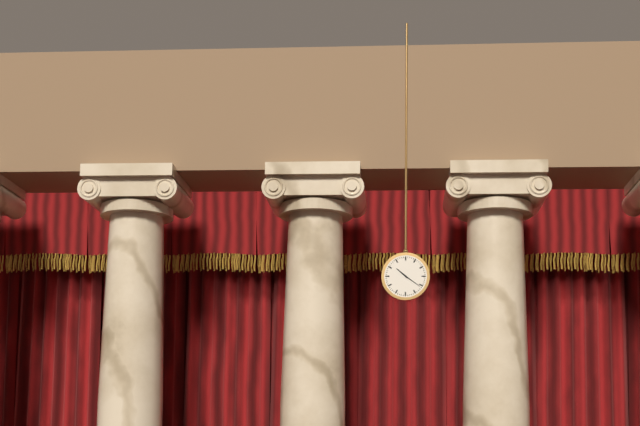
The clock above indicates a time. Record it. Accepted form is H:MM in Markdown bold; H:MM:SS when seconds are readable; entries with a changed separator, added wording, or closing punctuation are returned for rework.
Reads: **10:21**
